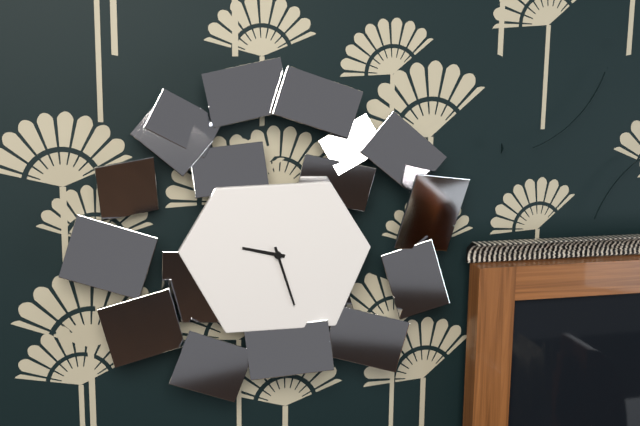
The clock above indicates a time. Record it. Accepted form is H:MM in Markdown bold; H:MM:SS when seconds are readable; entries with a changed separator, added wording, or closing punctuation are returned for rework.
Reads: **9:27**
